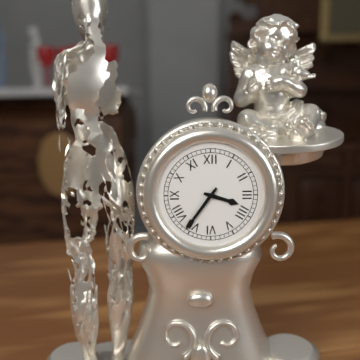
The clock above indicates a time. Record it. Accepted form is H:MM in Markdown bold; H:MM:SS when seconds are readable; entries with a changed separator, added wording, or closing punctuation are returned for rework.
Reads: **3:36**
